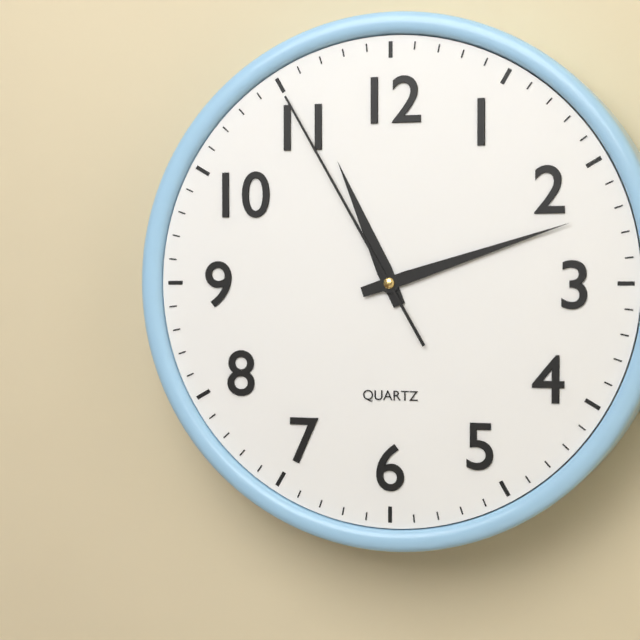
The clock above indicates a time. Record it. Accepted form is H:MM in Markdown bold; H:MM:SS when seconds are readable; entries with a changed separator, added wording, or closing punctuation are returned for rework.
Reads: **11:12:55**
